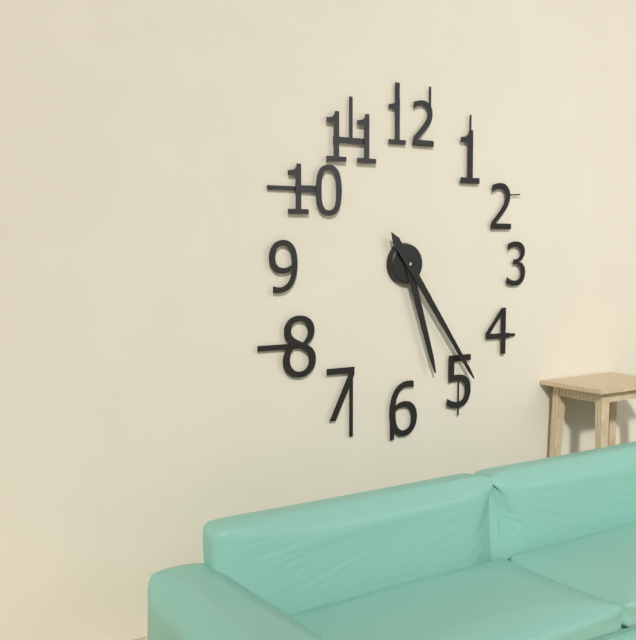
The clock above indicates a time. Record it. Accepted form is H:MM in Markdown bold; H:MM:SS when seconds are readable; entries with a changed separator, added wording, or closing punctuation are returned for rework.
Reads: **5:24**
